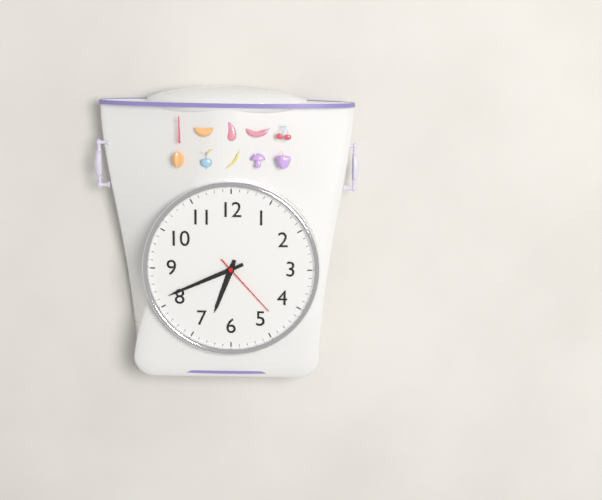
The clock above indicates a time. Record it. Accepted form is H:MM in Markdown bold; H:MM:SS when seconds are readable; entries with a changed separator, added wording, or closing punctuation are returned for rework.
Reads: **6:41:23**
